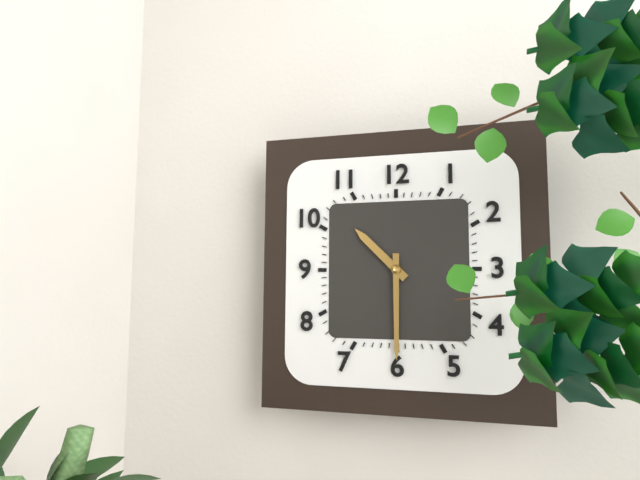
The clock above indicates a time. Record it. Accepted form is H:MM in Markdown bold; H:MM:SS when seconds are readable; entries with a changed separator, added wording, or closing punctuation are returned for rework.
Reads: **10:30**
